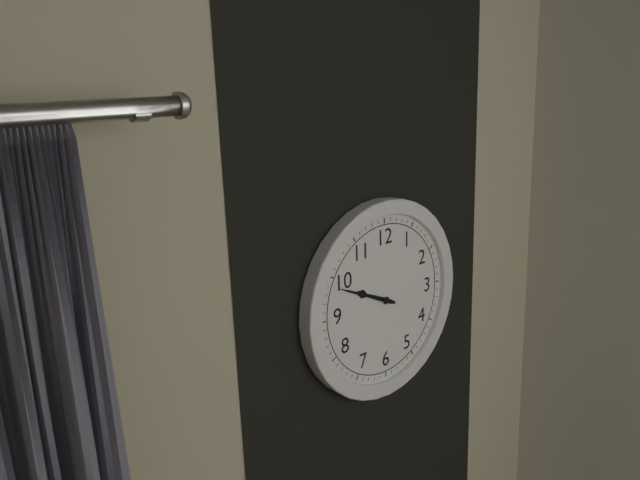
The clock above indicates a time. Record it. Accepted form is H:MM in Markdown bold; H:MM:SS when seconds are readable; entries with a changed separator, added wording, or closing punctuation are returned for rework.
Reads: **9:49**
